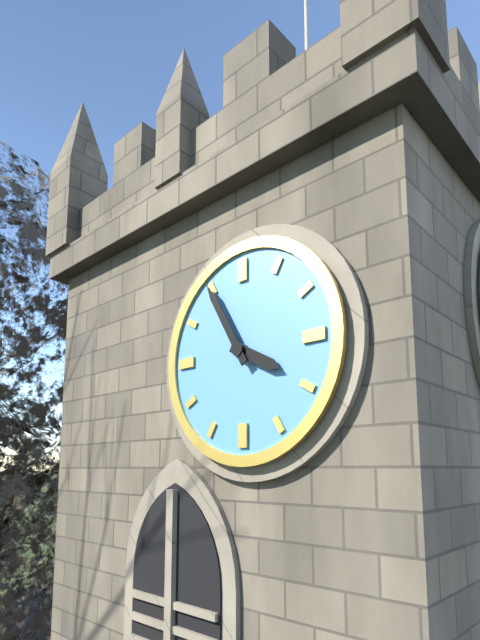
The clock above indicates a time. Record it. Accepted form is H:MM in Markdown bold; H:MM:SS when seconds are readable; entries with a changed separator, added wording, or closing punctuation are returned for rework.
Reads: **3:55**
